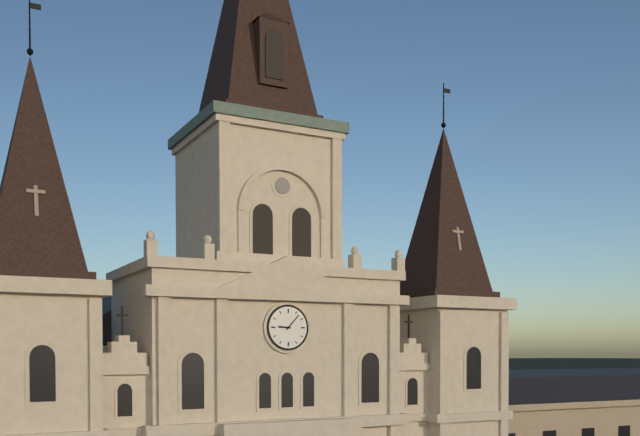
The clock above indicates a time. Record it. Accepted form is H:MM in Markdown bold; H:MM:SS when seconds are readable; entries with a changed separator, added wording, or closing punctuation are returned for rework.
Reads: **9:07**
